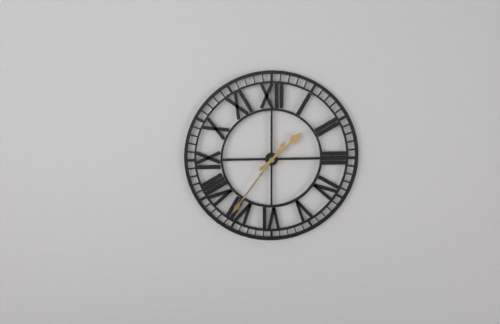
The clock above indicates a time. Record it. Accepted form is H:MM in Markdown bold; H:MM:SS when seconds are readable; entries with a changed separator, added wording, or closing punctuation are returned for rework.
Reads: **1:36**
